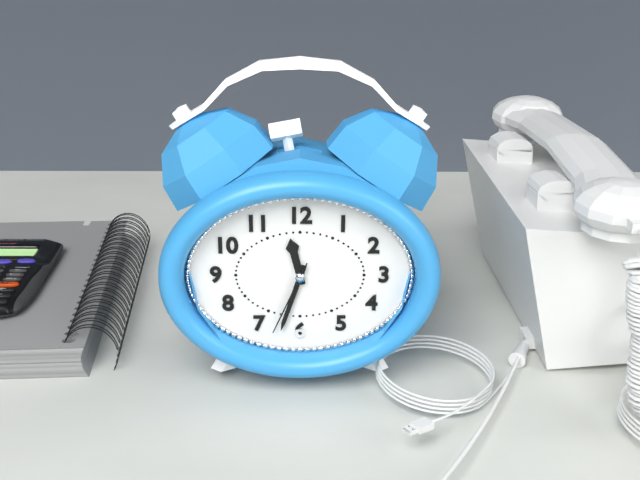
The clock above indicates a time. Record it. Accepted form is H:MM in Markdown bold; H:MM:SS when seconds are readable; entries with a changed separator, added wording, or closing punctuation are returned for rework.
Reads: **11:33:34**
